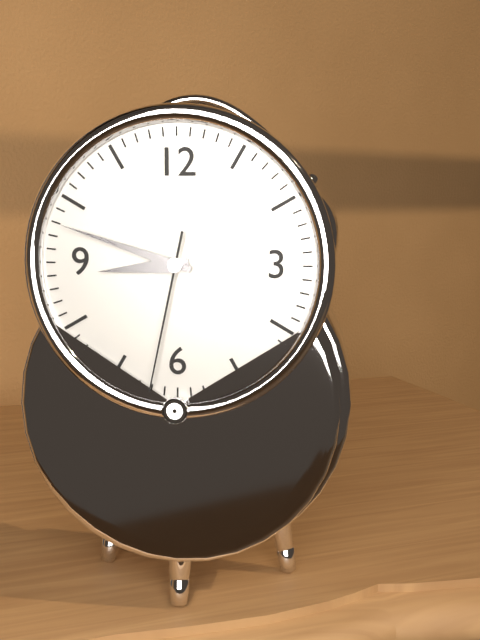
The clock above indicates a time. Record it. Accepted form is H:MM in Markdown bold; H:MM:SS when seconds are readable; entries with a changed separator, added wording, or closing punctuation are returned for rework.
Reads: **8:48:32**
